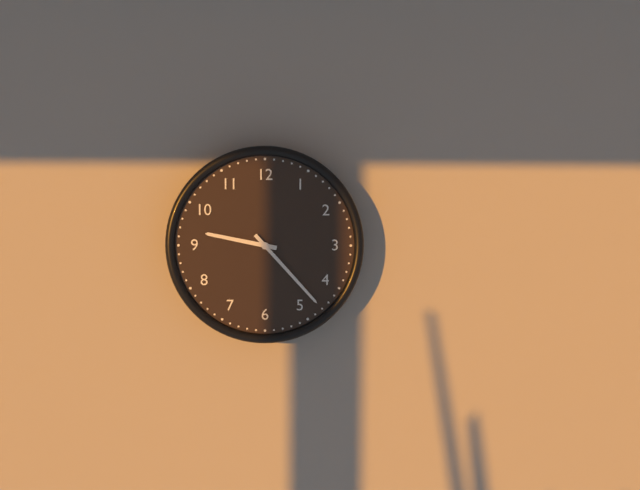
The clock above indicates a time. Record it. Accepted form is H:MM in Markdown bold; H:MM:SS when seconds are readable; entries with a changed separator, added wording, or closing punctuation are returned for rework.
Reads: **9:23**
